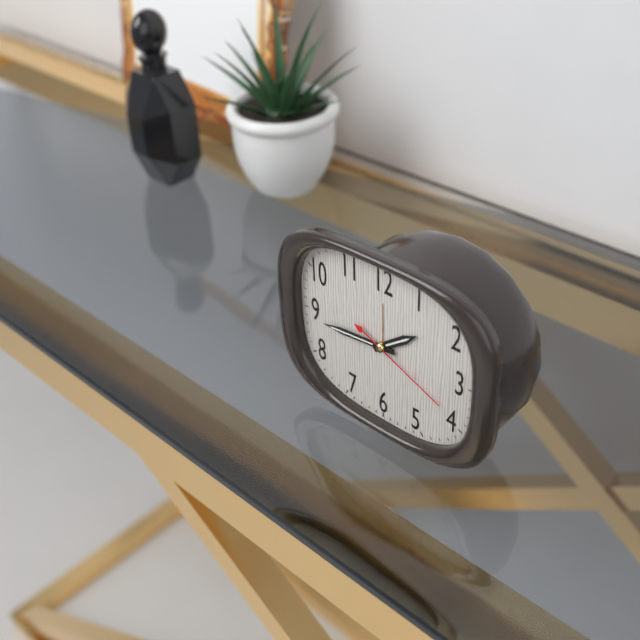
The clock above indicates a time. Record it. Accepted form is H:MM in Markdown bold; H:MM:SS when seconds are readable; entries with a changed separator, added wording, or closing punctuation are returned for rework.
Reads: **1:44:19**
